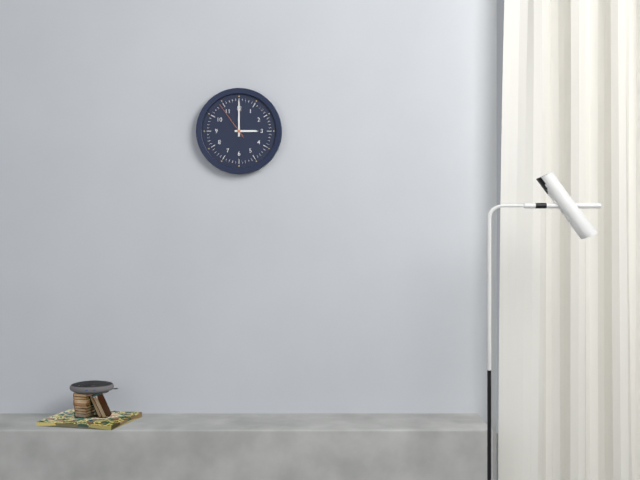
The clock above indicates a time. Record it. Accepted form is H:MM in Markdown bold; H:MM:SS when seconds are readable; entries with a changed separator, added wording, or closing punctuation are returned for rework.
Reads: **3:00**
